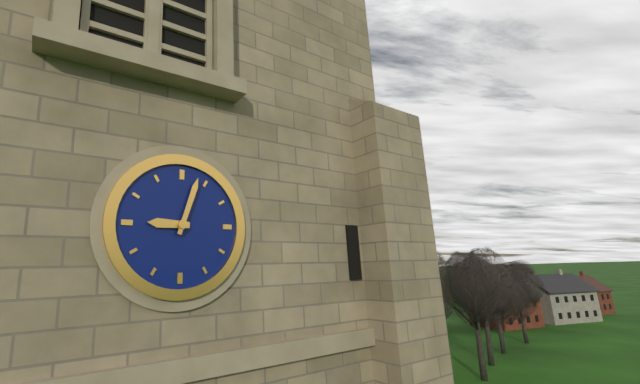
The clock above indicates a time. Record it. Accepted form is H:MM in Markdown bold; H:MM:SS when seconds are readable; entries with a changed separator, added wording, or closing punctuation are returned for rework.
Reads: **9:03**
